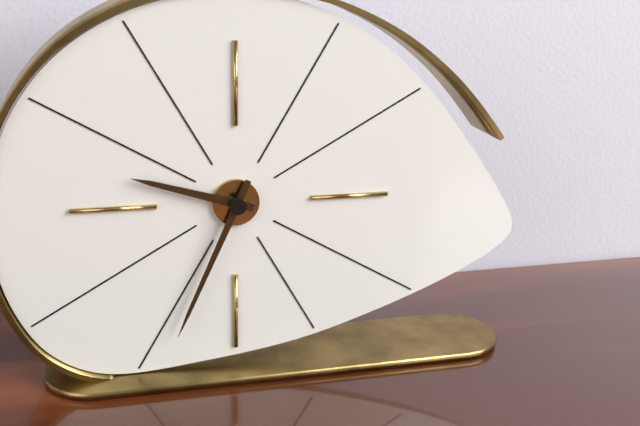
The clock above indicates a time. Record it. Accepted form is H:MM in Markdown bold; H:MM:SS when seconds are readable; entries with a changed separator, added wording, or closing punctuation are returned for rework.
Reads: **9:34**
